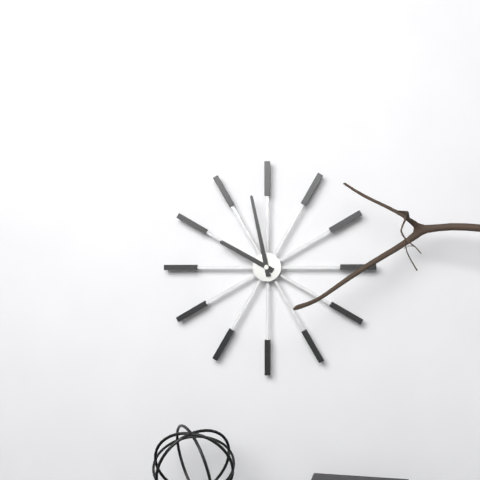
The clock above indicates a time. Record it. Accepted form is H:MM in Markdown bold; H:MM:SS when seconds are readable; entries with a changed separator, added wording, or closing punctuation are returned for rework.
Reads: **9:58**
